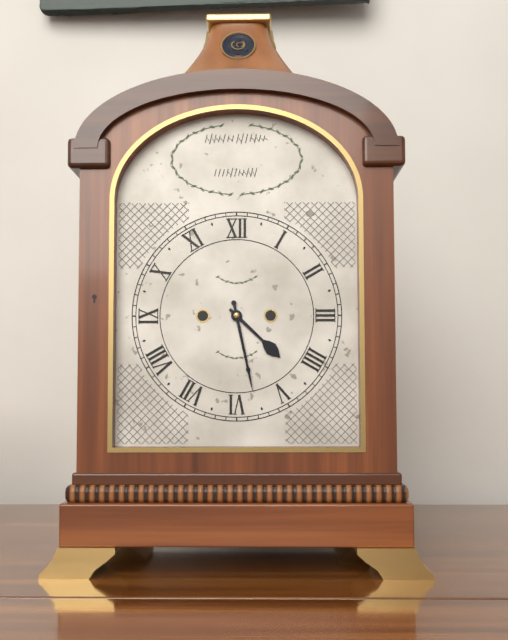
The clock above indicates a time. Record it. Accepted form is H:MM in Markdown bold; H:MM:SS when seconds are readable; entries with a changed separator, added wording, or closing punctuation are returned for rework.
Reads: **4:28**
